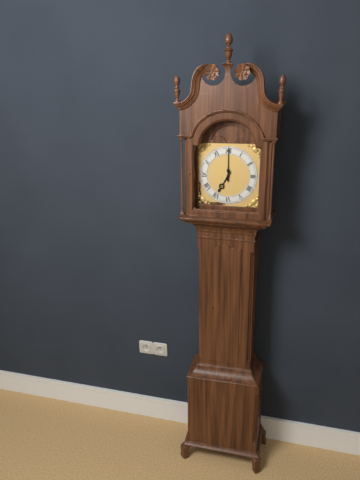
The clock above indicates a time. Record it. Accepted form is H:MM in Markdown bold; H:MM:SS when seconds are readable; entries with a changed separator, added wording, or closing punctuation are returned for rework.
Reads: **7:00**
